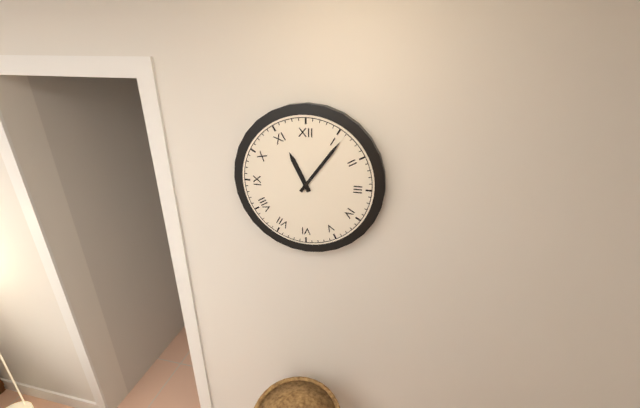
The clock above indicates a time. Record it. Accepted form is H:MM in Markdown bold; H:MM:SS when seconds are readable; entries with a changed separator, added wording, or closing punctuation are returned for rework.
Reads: **11:06**
